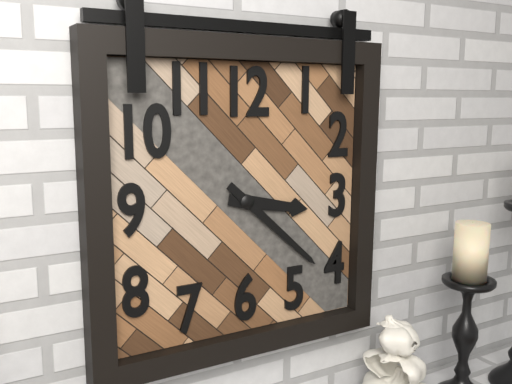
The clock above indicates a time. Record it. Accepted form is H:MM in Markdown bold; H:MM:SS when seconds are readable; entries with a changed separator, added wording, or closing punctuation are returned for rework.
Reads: **3:22**
